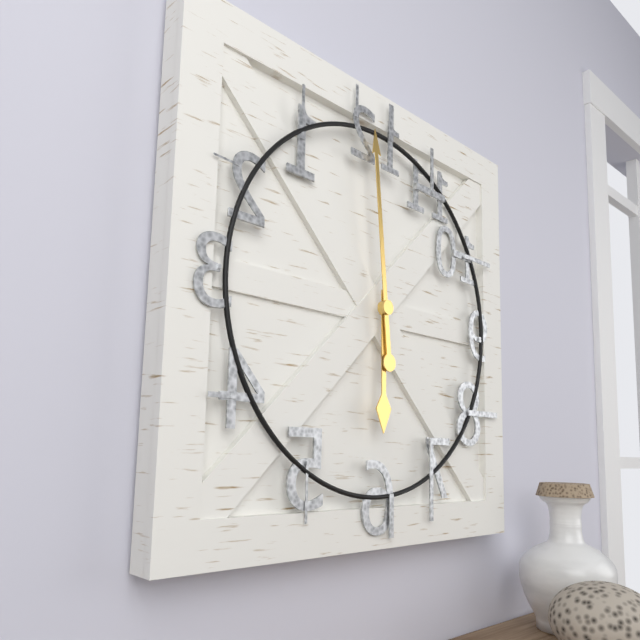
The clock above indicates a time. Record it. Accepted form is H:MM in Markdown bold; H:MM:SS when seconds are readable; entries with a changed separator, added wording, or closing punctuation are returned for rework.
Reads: **5:59**
